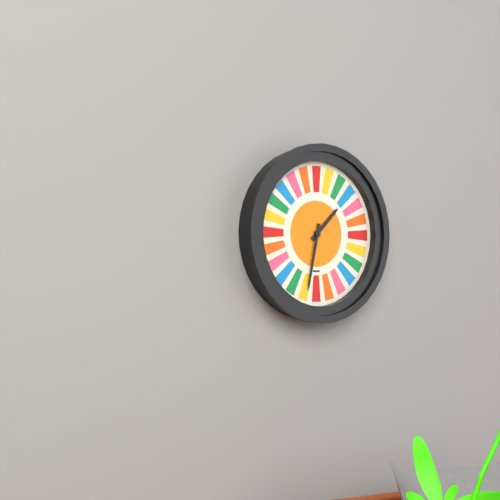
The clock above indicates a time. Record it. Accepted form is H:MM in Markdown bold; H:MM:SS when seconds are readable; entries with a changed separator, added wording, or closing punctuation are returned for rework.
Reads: **1:32**
